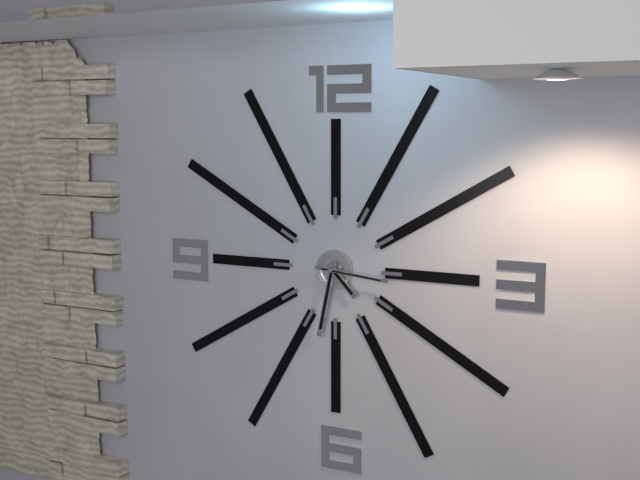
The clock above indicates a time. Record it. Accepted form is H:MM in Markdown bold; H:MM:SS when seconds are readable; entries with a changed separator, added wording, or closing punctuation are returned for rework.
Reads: **4:32:16**
